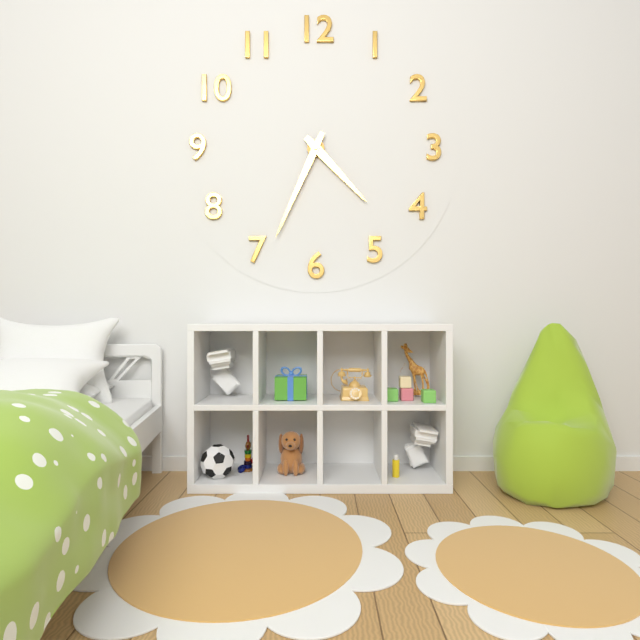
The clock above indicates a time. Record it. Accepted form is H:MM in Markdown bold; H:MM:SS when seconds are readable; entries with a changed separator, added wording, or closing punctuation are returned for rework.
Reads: **4:34**
